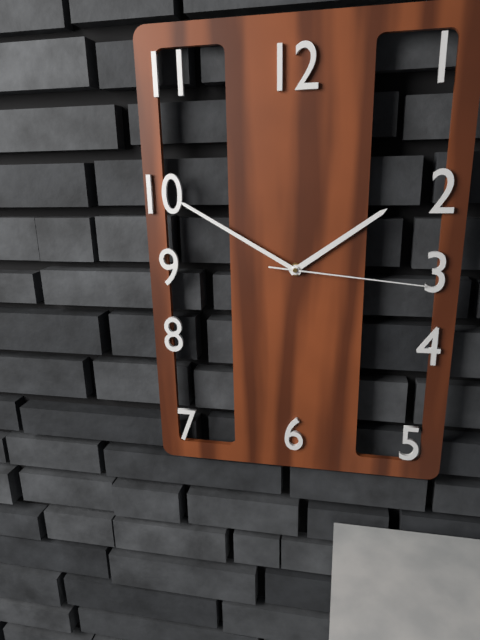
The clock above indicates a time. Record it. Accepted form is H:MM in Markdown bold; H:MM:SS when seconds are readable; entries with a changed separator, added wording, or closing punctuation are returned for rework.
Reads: **1:50:16**
